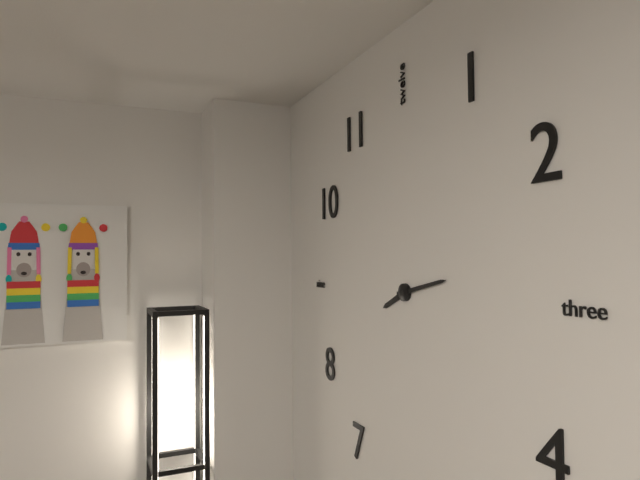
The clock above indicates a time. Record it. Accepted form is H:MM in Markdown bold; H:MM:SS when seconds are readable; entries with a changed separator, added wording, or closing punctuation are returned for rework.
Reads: **8:13**
